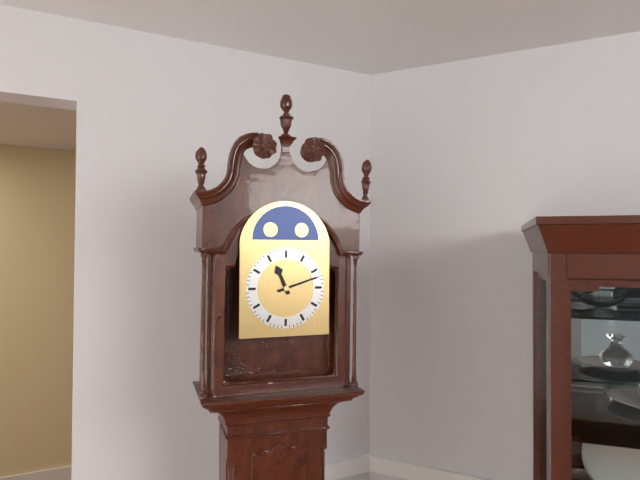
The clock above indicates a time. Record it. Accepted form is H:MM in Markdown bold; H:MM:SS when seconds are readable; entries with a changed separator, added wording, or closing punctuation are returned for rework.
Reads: **11:12**
